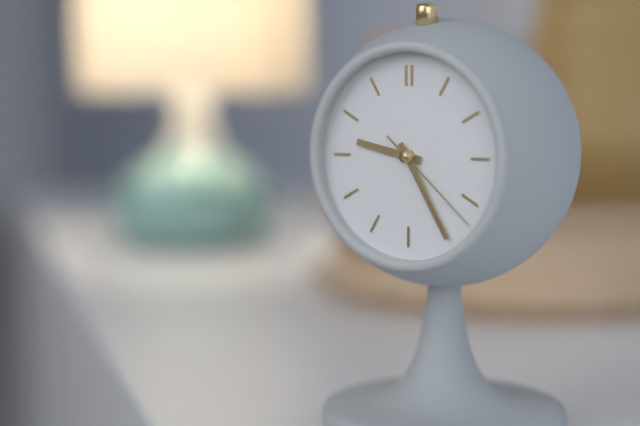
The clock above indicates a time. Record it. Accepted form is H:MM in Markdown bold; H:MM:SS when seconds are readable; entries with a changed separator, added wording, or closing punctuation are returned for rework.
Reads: **9:25:22**
